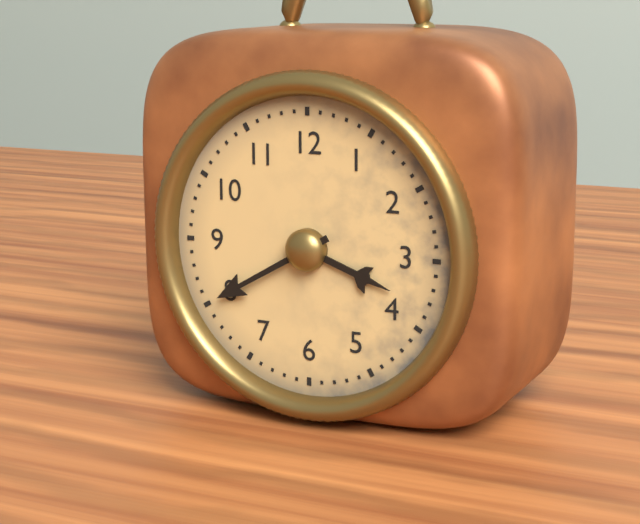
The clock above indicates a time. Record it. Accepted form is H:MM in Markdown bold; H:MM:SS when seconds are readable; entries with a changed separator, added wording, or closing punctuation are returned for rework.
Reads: **3:40**
